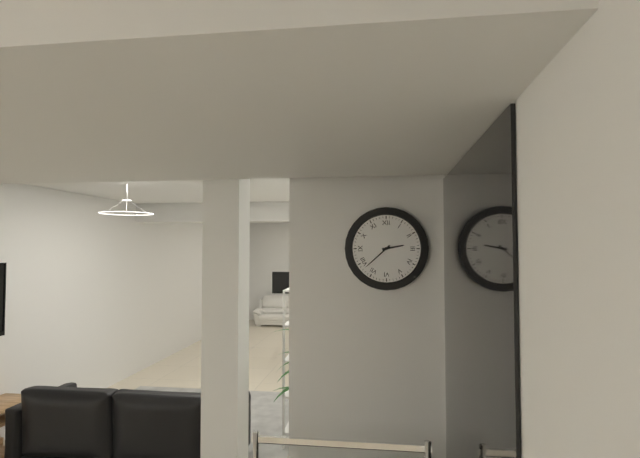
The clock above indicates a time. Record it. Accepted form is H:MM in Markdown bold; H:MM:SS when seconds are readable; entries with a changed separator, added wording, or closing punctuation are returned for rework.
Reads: **2:38**
